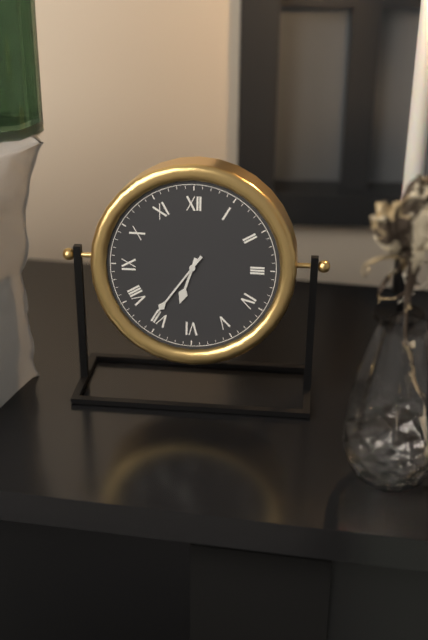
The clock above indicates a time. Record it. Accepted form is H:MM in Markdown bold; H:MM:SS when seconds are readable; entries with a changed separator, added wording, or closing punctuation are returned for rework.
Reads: **6:36**
